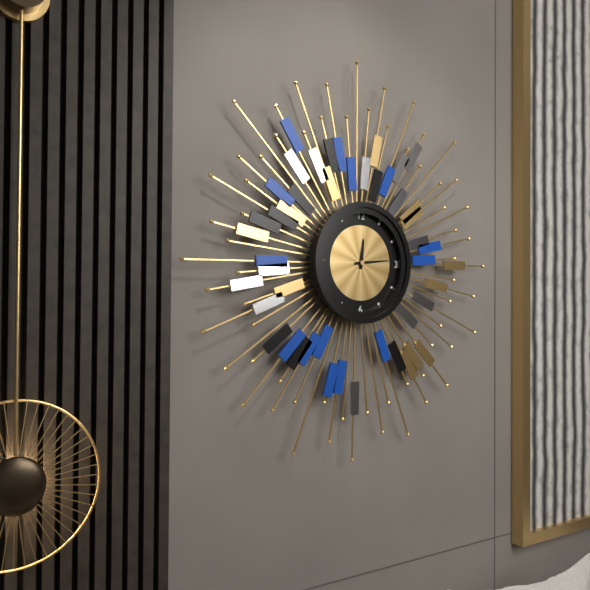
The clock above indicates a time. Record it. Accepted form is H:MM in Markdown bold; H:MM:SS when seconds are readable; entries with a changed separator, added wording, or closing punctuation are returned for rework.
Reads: **12:14**
